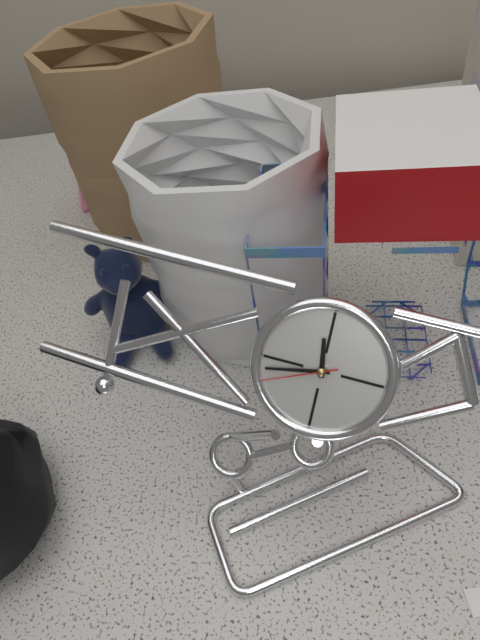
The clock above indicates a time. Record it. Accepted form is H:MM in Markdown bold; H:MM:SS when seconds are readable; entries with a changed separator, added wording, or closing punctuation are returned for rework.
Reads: **11:43:41**
